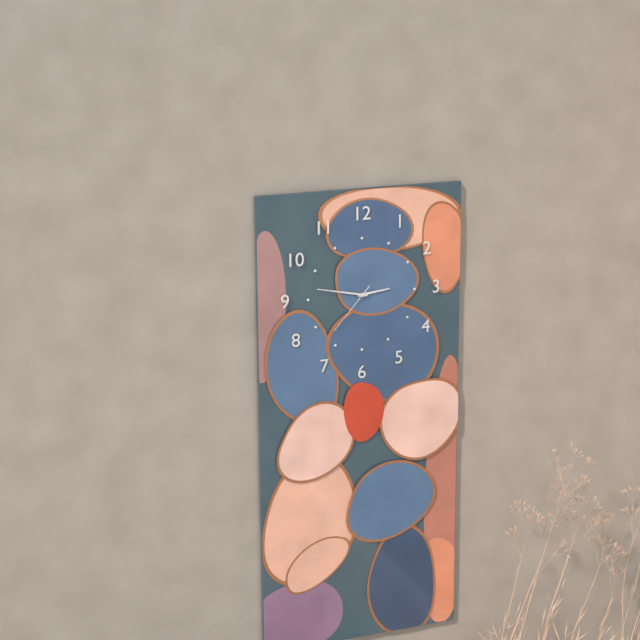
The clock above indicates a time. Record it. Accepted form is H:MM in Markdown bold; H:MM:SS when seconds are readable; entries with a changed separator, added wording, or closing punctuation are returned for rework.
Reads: **2:47:37**
